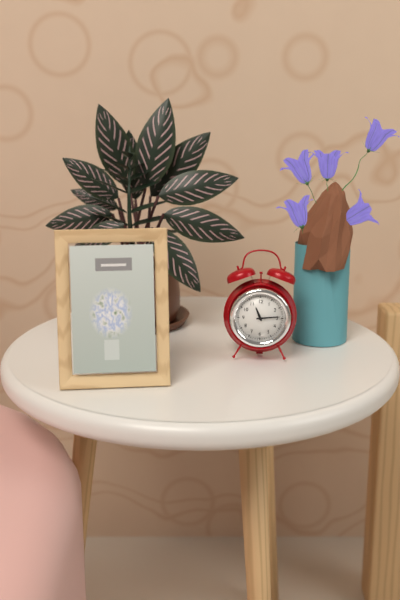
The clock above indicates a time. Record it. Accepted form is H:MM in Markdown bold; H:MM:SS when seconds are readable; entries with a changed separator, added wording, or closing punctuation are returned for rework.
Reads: **11:14**
